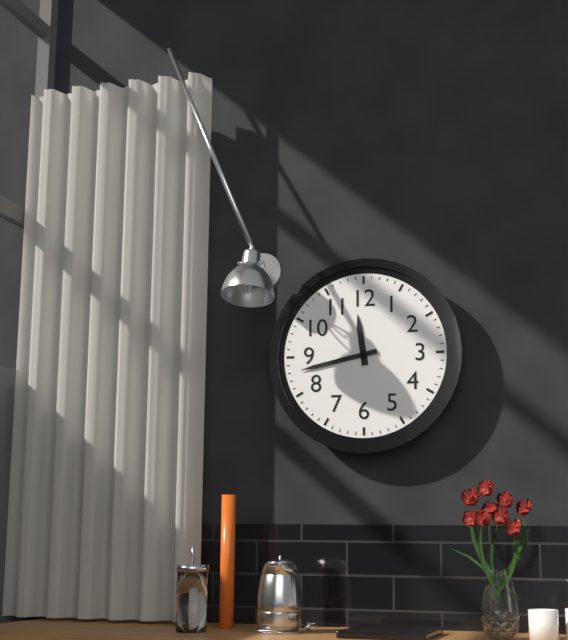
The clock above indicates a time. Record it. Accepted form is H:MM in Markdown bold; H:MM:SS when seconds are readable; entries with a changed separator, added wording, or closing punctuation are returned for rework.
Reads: **11:43**
